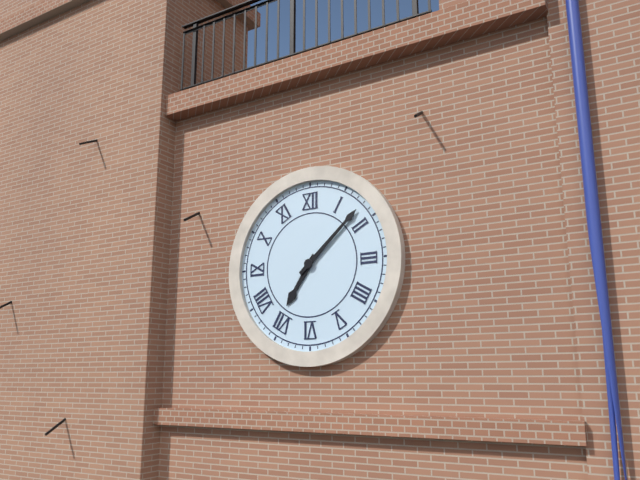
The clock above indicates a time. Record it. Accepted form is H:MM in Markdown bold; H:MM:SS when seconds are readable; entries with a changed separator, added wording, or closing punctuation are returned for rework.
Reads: **7:08**
